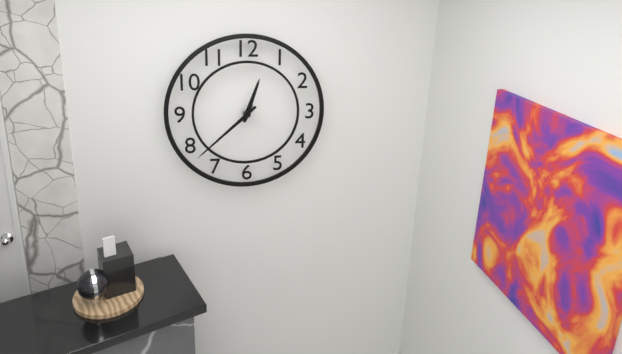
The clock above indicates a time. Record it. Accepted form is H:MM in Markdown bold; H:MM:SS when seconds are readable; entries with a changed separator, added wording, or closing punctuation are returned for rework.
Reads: **12:38**
